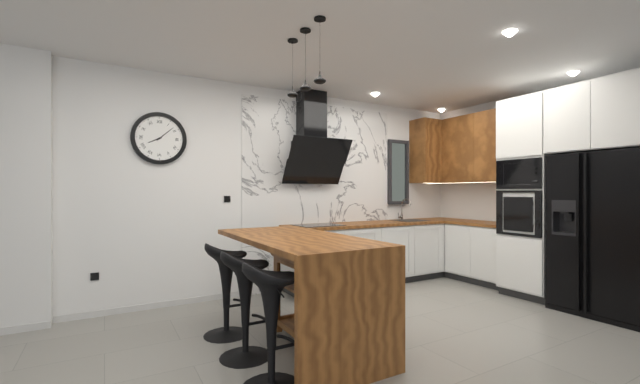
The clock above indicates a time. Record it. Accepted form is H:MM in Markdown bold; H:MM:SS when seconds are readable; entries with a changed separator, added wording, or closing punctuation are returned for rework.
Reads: **8:08**
